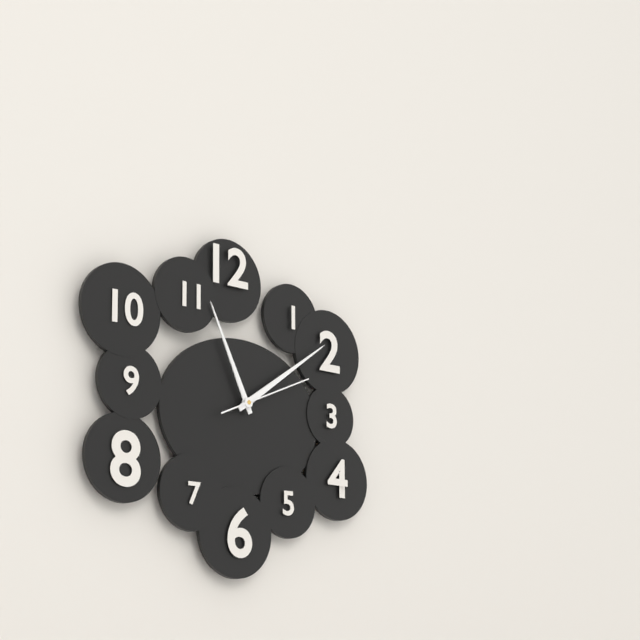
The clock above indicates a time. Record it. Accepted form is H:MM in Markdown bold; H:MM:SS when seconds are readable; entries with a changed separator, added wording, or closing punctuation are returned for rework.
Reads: **11:09:11**
